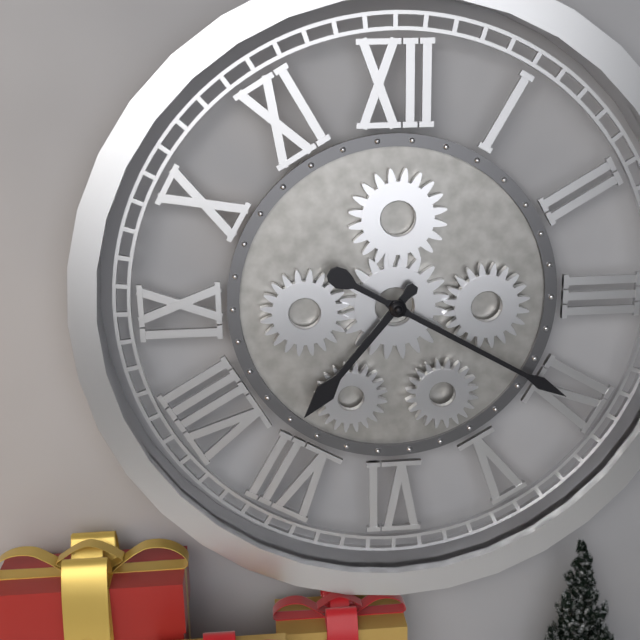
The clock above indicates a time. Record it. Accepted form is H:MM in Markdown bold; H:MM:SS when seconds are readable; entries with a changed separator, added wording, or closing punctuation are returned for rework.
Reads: **7:20**
